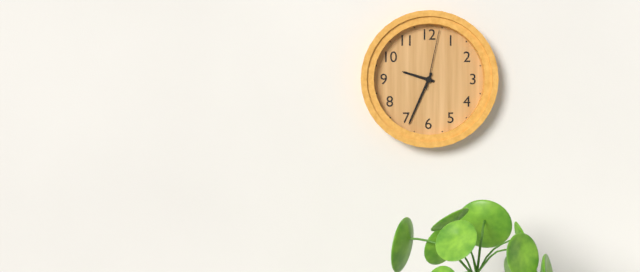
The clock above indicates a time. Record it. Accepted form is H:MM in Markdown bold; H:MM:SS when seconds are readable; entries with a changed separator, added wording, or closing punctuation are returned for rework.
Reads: **9:34:02**
